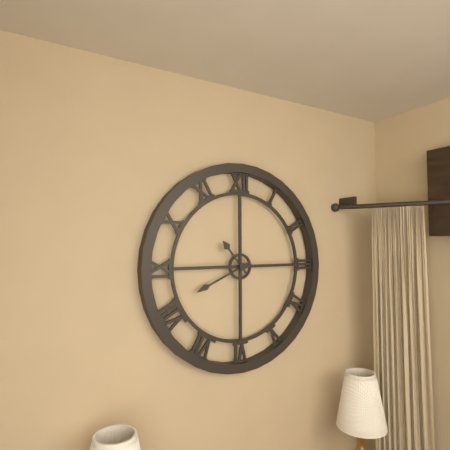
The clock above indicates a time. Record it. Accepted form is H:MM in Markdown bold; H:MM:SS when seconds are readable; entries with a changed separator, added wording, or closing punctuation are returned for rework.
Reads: **10:41**
